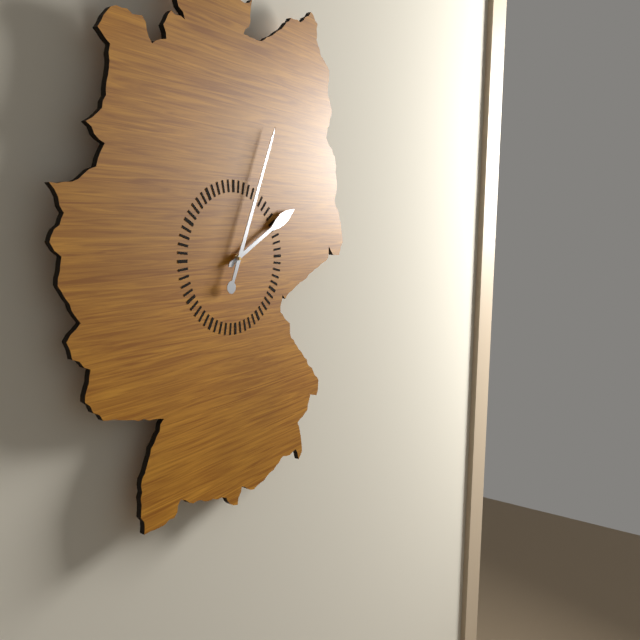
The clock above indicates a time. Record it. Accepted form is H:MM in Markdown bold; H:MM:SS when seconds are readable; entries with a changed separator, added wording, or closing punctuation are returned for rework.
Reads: **2:04**
